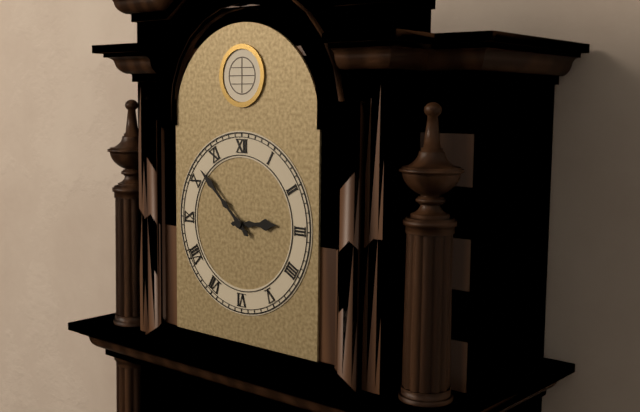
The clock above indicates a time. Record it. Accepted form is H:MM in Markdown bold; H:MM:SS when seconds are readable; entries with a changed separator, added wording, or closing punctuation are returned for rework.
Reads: **2:52**
